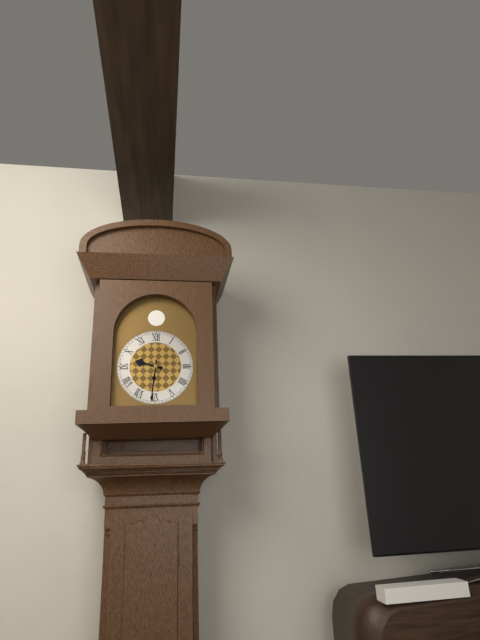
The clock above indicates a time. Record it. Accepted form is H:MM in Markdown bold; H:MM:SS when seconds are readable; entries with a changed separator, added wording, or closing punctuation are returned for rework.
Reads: **9:31**
